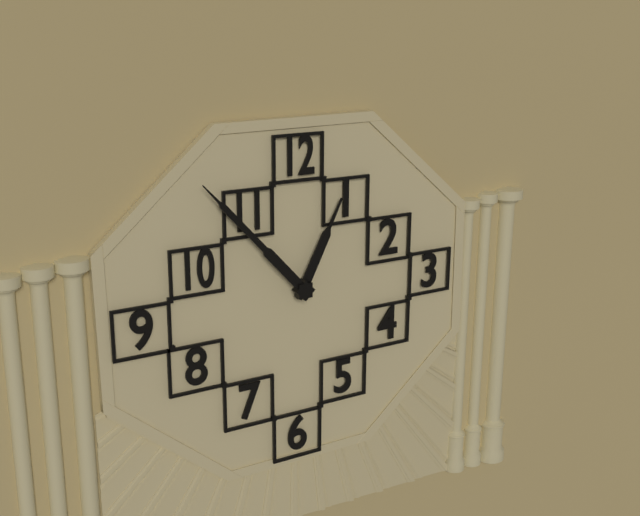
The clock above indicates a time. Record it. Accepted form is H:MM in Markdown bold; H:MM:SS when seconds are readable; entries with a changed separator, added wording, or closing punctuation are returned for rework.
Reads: **12:53**
